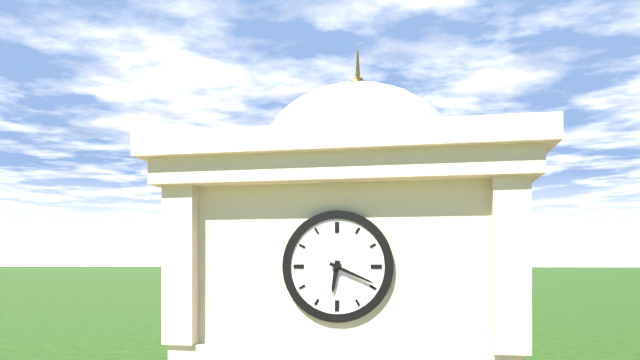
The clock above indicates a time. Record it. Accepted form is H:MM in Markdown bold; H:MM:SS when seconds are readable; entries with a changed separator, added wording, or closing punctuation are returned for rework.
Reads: **6:19**
